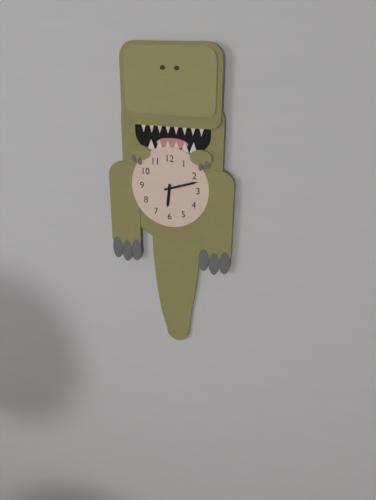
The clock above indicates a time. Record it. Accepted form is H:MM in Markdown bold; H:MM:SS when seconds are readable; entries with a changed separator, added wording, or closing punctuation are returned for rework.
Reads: **6:12**
